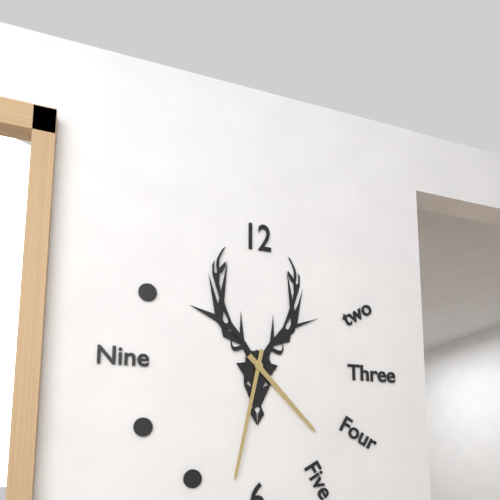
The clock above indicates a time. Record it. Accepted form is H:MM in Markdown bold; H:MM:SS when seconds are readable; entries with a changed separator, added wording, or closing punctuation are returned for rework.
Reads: **4:32**
